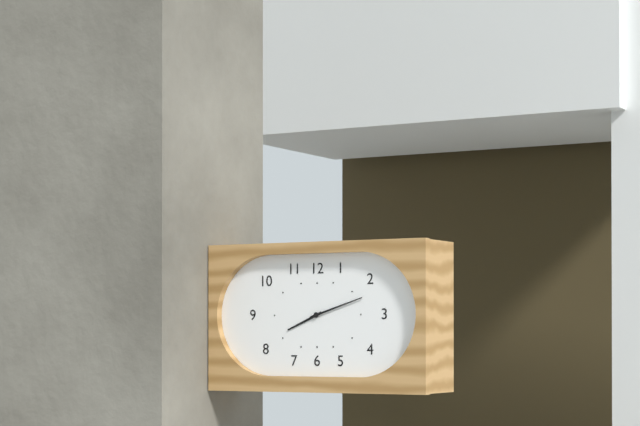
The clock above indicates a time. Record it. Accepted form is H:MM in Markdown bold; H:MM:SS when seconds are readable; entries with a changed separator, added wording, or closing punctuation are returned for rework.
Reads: **8:12**
